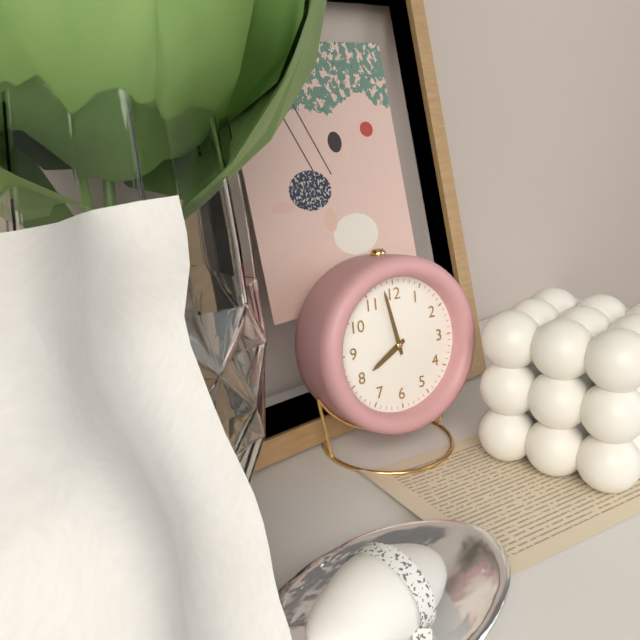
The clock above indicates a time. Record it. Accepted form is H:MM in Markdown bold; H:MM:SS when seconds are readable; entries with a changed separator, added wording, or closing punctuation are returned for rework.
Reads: **7:58**
